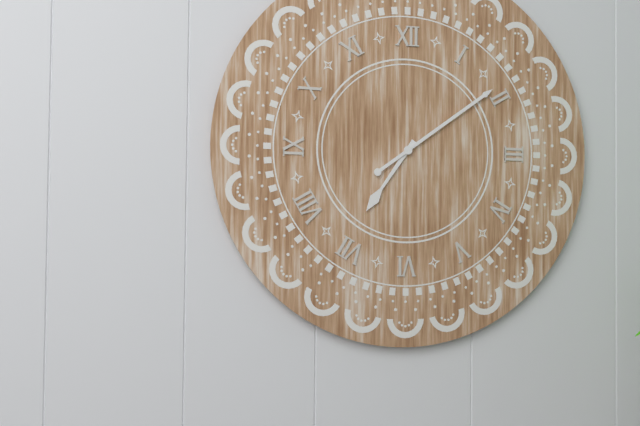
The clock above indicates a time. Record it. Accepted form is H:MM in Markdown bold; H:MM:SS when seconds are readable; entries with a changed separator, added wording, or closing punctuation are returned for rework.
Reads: **7:09**
